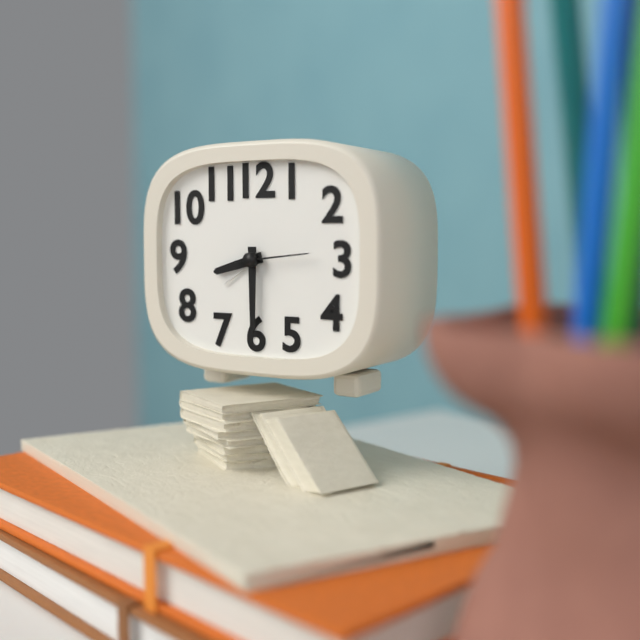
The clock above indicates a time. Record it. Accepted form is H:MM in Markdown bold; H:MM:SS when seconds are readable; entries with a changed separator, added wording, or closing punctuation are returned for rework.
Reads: **8:30:14**
